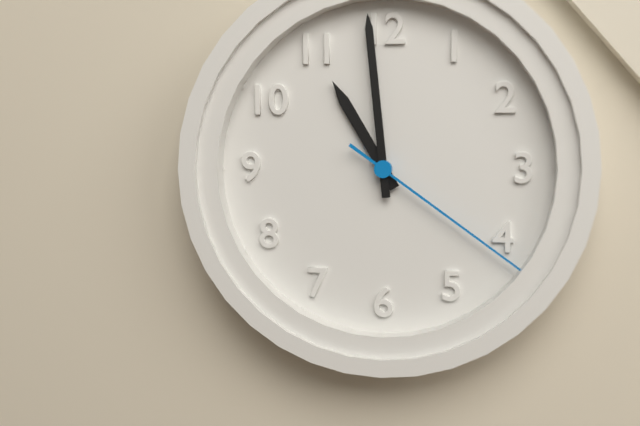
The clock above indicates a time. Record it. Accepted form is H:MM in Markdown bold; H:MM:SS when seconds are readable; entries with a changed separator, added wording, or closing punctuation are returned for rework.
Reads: **10:59:21**
